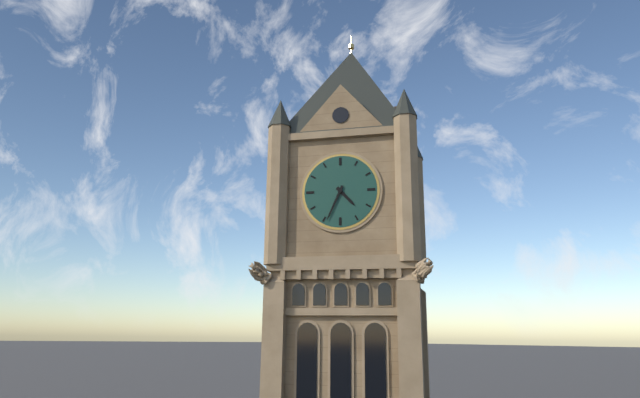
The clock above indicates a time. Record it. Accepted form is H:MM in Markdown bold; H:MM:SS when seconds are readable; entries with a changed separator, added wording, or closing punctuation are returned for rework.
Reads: **4:34**
